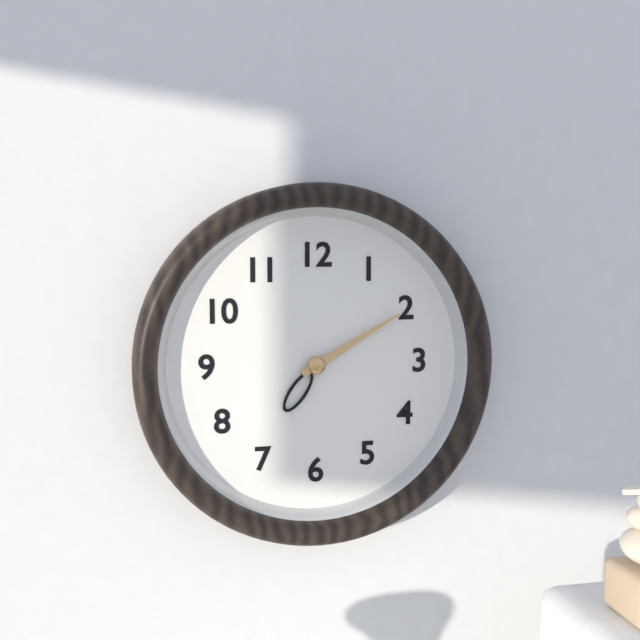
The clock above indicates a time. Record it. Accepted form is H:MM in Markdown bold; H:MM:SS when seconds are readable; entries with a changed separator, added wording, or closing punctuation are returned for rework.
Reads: **7:10**
